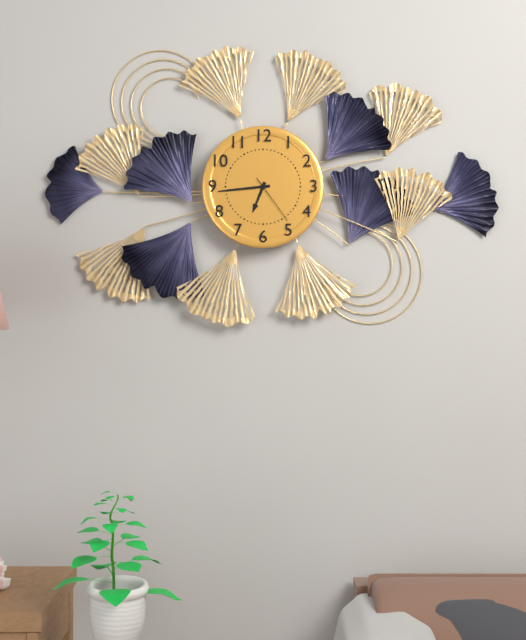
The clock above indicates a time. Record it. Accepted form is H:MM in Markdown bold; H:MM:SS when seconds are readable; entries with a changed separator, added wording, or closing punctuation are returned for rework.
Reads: **6:44:24**
